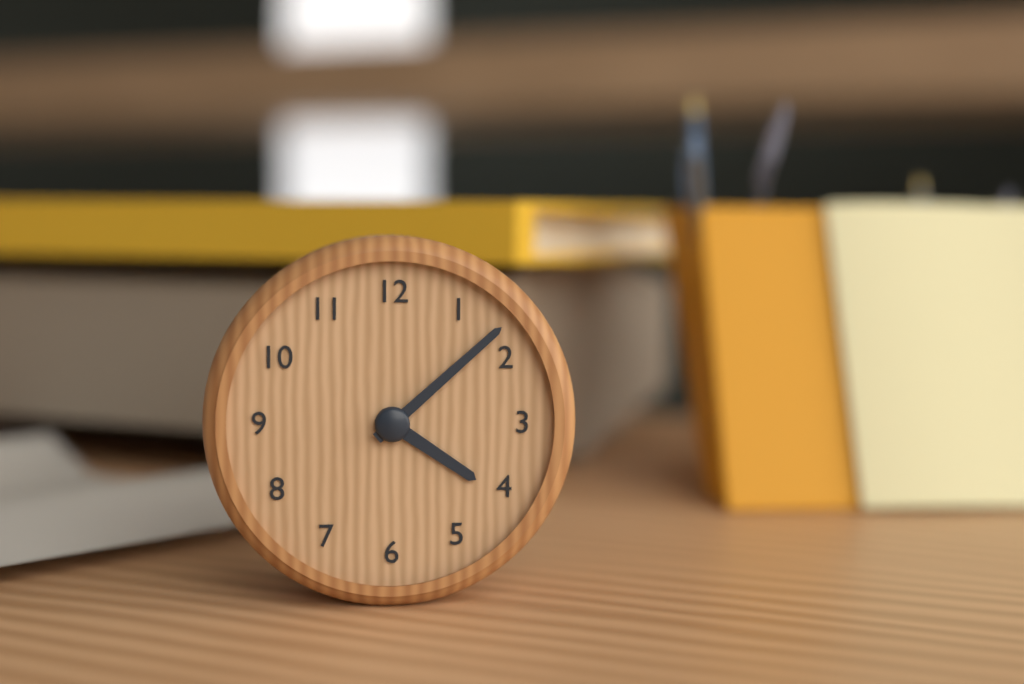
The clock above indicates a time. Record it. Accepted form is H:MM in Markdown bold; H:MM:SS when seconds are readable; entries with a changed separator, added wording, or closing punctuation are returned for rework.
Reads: **4:08**
